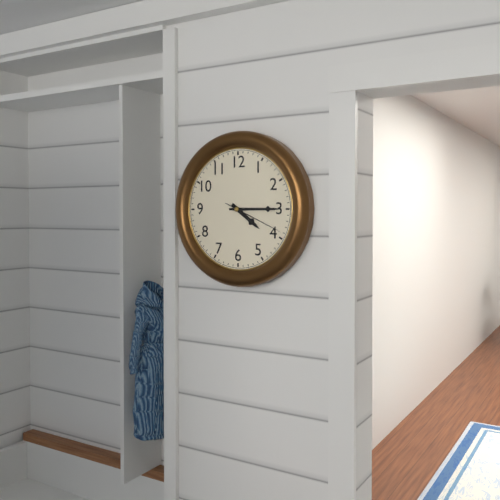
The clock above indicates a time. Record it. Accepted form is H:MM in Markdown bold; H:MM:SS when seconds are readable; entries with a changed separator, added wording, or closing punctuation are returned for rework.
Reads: **4:15:19**
